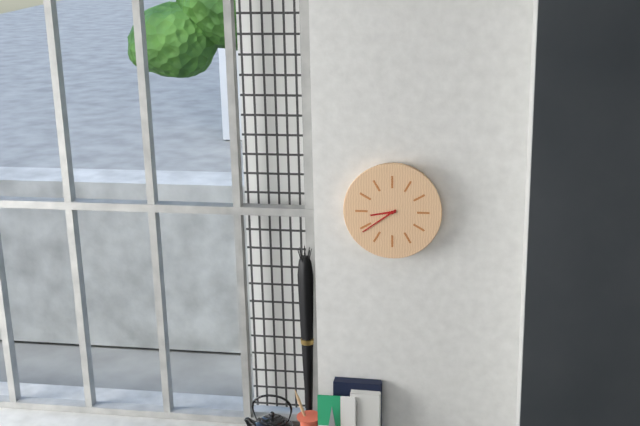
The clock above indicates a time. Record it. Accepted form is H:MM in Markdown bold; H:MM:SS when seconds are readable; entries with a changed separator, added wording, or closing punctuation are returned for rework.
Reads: **8:39**
